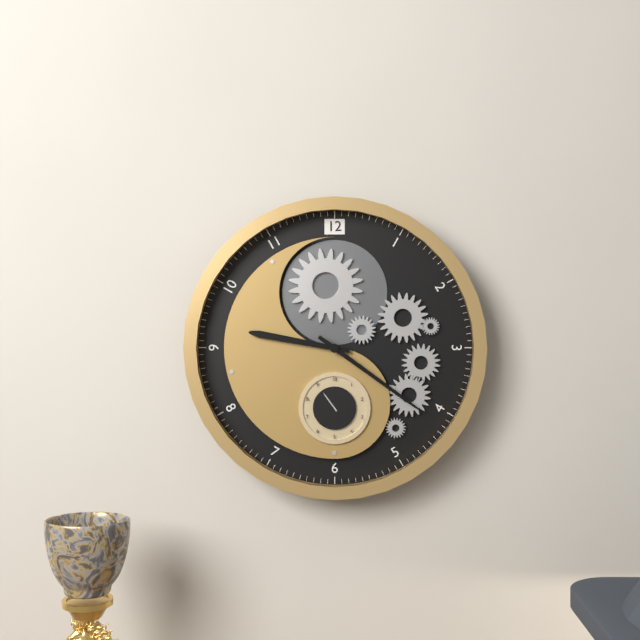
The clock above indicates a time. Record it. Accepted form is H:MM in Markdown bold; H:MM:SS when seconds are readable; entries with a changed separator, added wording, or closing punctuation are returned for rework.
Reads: **9:21**
